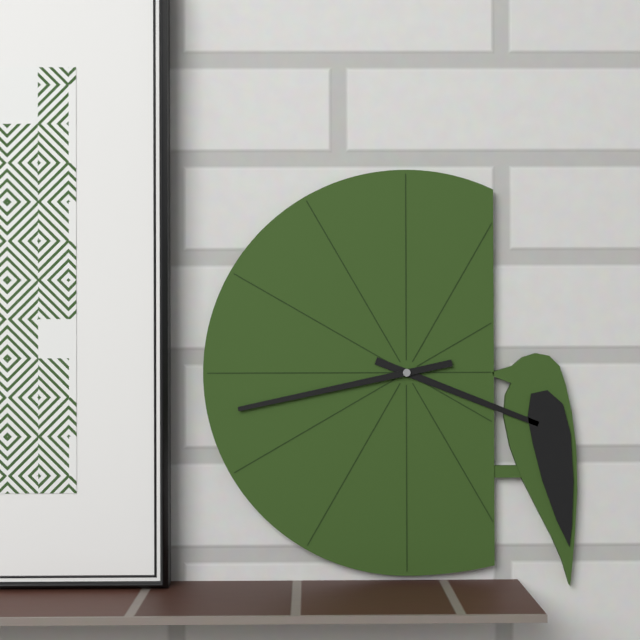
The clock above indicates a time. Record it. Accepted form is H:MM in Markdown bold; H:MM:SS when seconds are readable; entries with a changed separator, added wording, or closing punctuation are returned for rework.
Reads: **3:43**
